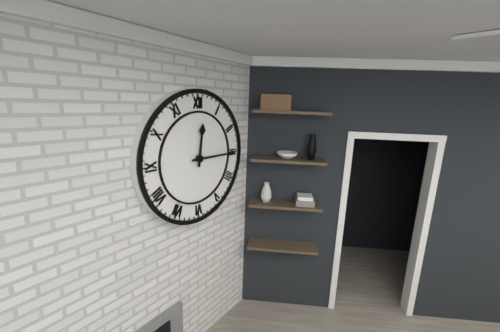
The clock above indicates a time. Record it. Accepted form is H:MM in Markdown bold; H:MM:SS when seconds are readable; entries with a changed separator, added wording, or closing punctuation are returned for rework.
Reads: **12:15**
